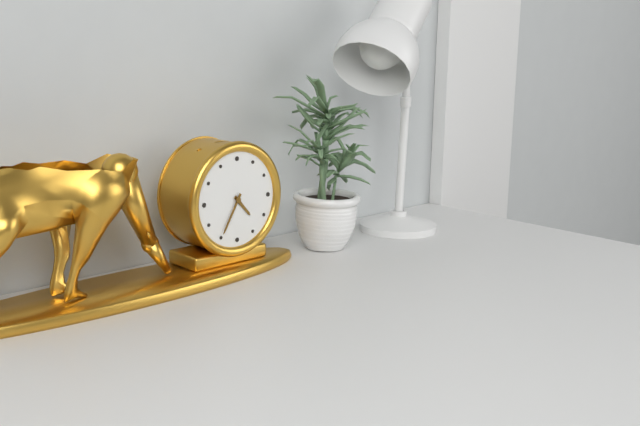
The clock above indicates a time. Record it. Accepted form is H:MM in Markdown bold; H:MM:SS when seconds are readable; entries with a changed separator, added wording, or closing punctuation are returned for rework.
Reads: **4:35**
